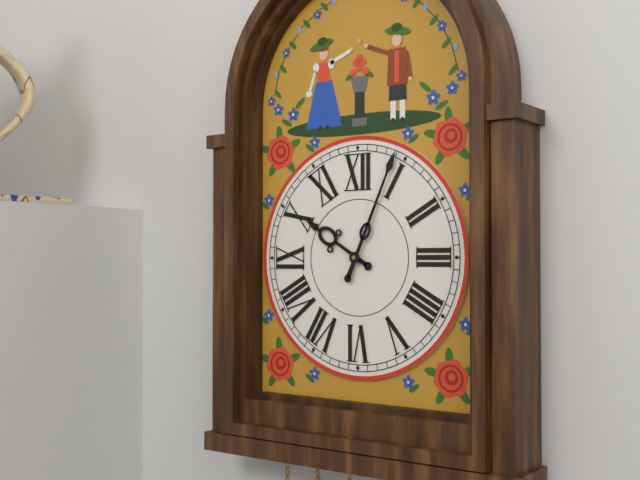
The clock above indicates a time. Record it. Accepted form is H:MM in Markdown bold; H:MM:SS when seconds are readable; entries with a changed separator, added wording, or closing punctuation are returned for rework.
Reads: **10:04**
